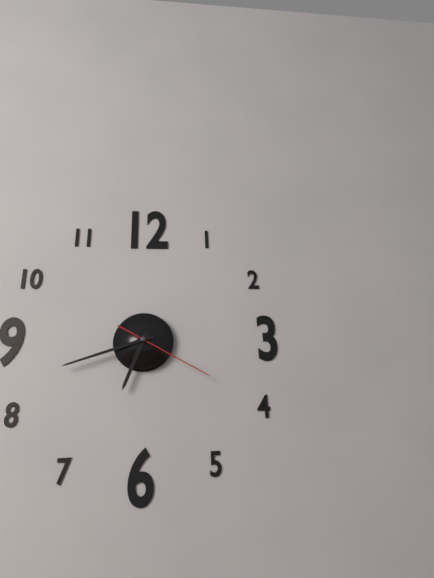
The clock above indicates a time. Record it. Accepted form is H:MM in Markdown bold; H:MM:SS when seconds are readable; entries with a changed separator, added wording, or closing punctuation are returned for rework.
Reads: **6:42:20**
